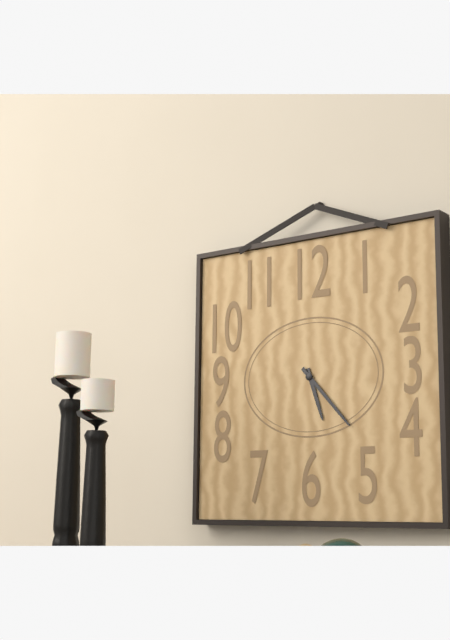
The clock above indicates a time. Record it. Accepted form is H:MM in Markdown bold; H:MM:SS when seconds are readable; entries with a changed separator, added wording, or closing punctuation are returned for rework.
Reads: **5:23**
